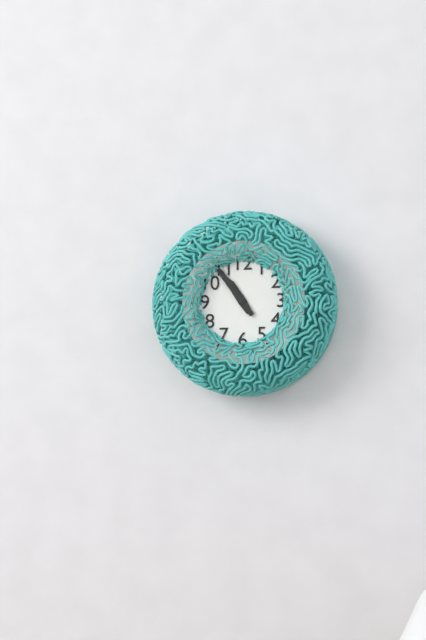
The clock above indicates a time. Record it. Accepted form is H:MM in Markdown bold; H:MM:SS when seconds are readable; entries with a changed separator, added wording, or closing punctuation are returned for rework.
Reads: **10:54**
